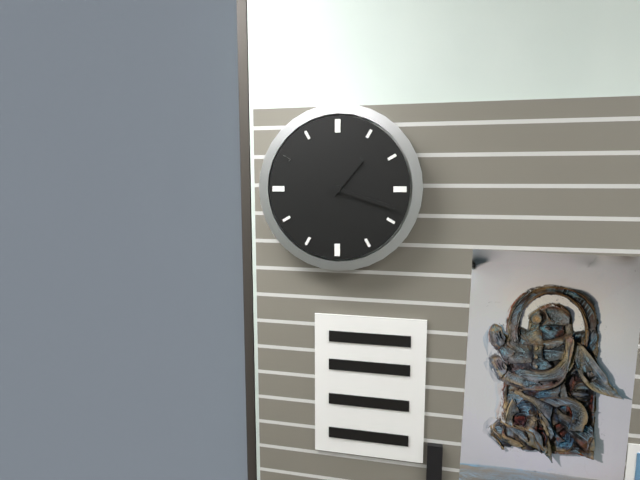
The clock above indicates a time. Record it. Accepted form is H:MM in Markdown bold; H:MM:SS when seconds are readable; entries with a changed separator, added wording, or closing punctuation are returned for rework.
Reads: **1:18**
